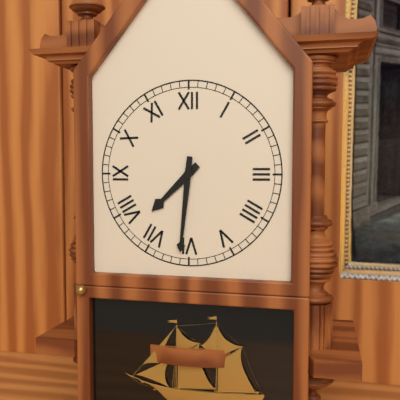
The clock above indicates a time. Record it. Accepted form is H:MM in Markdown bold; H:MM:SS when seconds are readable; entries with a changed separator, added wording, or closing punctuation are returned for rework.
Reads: **7:31**
